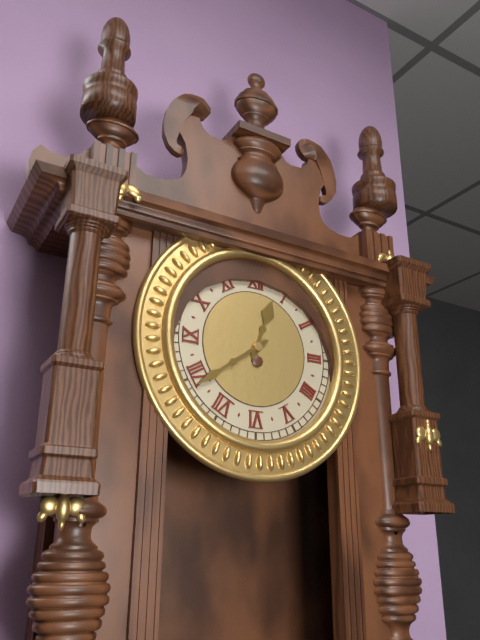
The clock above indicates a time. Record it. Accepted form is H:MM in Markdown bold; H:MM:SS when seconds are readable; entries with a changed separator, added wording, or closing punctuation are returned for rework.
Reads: **12:39**
